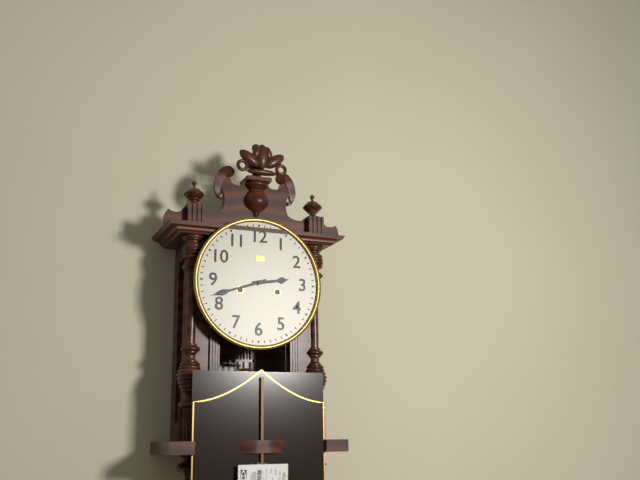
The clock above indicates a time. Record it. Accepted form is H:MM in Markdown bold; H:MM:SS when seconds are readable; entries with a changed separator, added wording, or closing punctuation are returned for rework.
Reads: **2:42**
